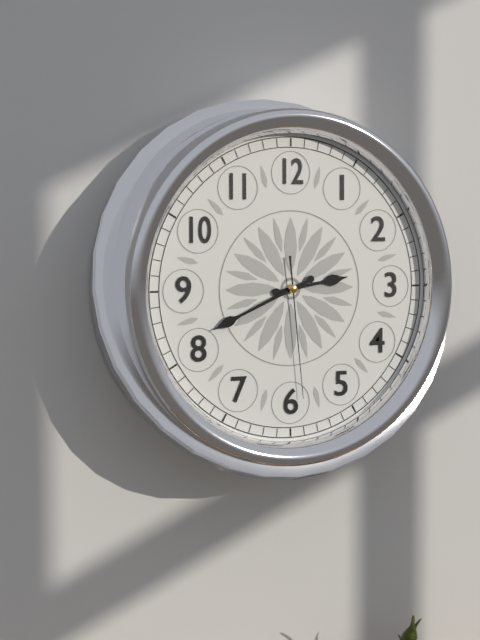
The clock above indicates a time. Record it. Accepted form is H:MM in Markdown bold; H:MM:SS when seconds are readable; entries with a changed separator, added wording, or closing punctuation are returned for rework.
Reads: **2:41:29**
